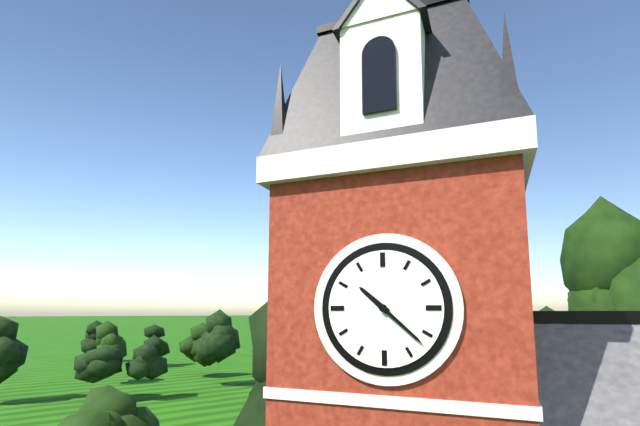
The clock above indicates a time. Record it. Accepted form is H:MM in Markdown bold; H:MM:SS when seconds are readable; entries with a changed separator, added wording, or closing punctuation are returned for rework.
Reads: **10:22**
